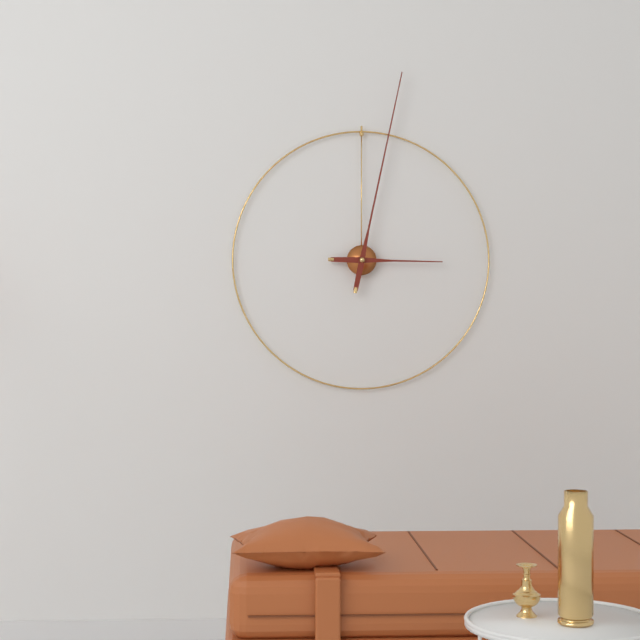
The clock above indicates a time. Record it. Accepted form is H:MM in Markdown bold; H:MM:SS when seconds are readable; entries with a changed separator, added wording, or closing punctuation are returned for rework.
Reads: **3:02**
